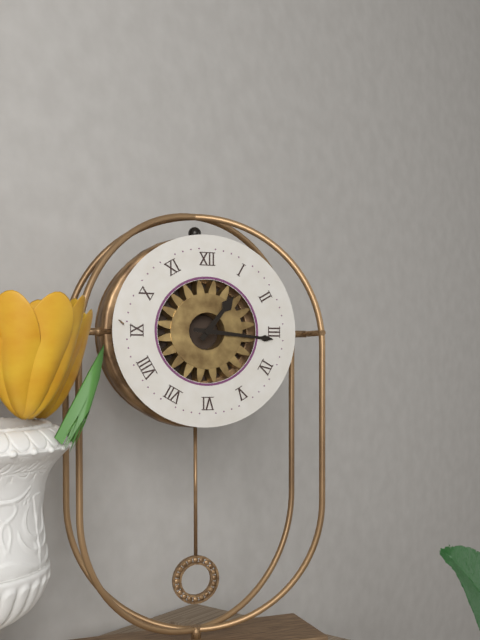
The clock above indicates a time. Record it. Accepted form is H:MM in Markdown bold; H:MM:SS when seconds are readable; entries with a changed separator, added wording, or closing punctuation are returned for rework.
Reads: **1:16**
